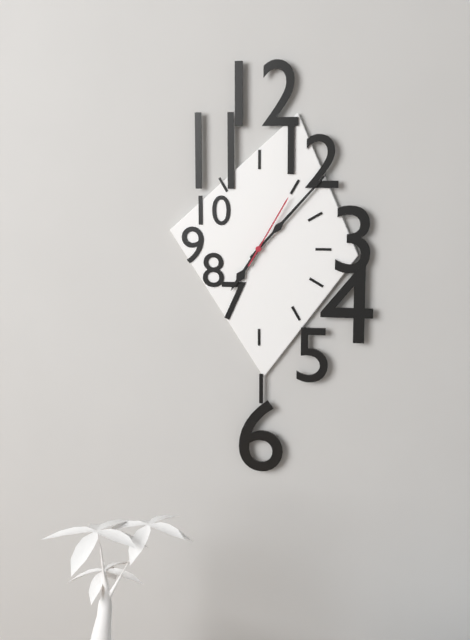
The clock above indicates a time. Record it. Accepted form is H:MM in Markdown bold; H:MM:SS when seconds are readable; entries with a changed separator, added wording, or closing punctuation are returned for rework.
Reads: **7:07:05**
